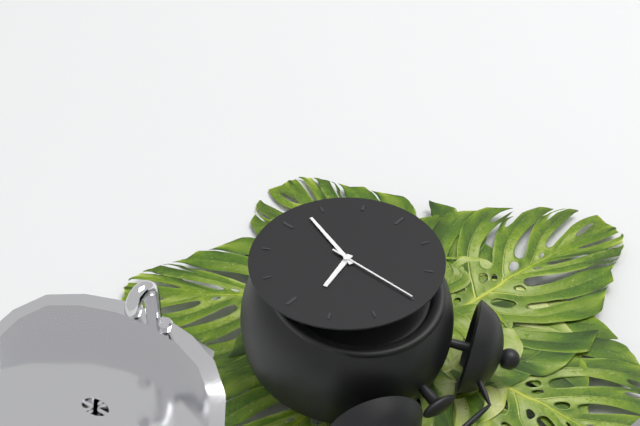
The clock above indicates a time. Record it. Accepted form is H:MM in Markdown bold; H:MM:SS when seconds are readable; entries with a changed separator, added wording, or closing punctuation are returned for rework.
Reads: **2:33:00**
